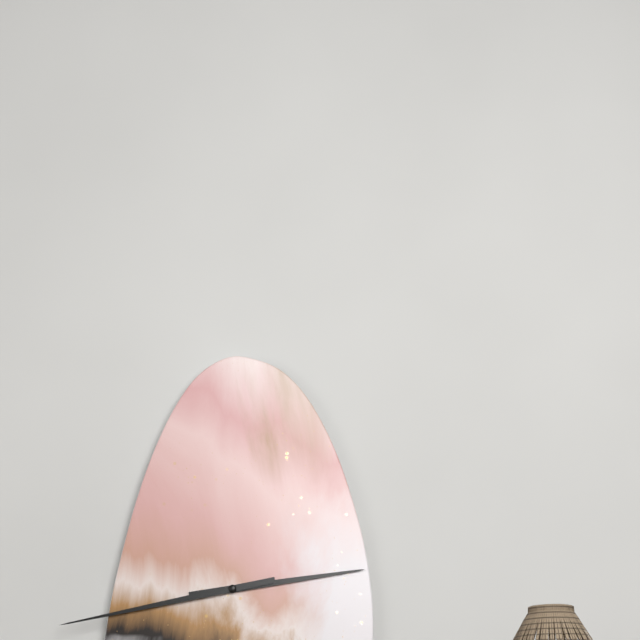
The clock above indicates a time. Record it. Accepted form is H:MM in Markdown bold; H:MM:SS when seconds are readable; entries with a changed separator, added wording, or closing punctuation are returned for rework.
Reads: **2:43**
